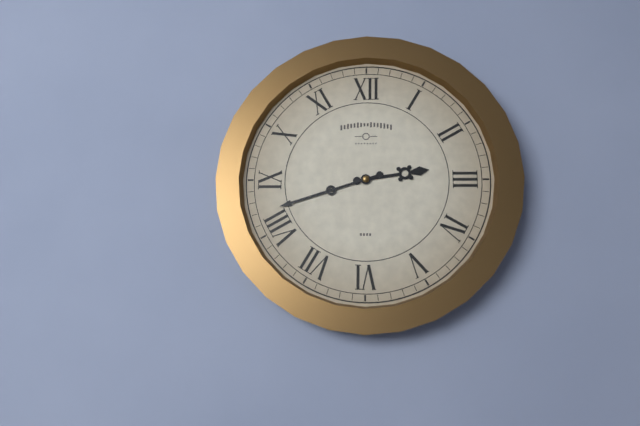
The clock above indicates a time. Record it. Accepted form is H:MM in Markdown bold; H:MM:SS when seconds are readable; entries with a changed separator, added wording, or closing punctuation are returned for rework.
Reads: **2:42**
